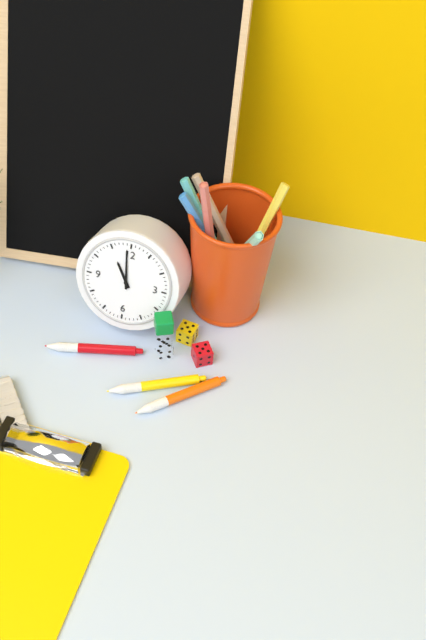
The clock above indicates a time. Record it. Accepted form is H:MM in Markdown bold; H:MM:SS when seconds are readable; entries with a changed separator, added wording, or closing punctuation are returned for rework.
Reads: **10:59**
